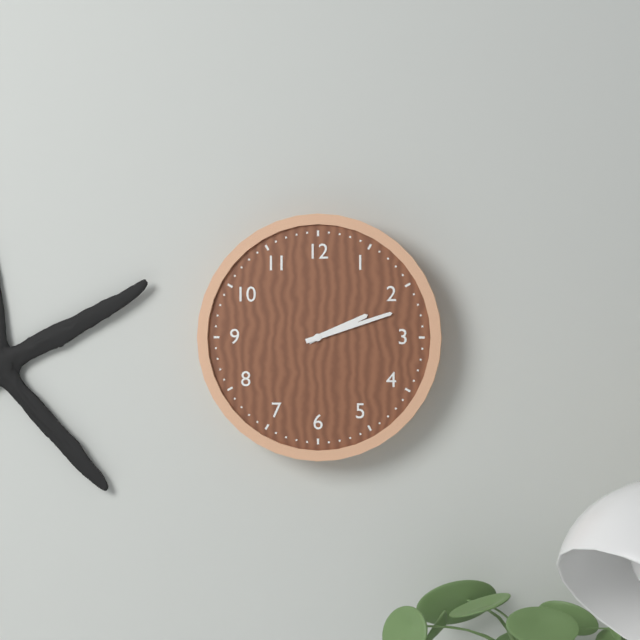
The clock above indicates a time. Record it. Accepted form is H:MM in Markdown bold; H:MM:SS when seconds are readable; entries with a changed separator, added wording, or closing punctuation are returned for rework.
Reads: **2:12**
